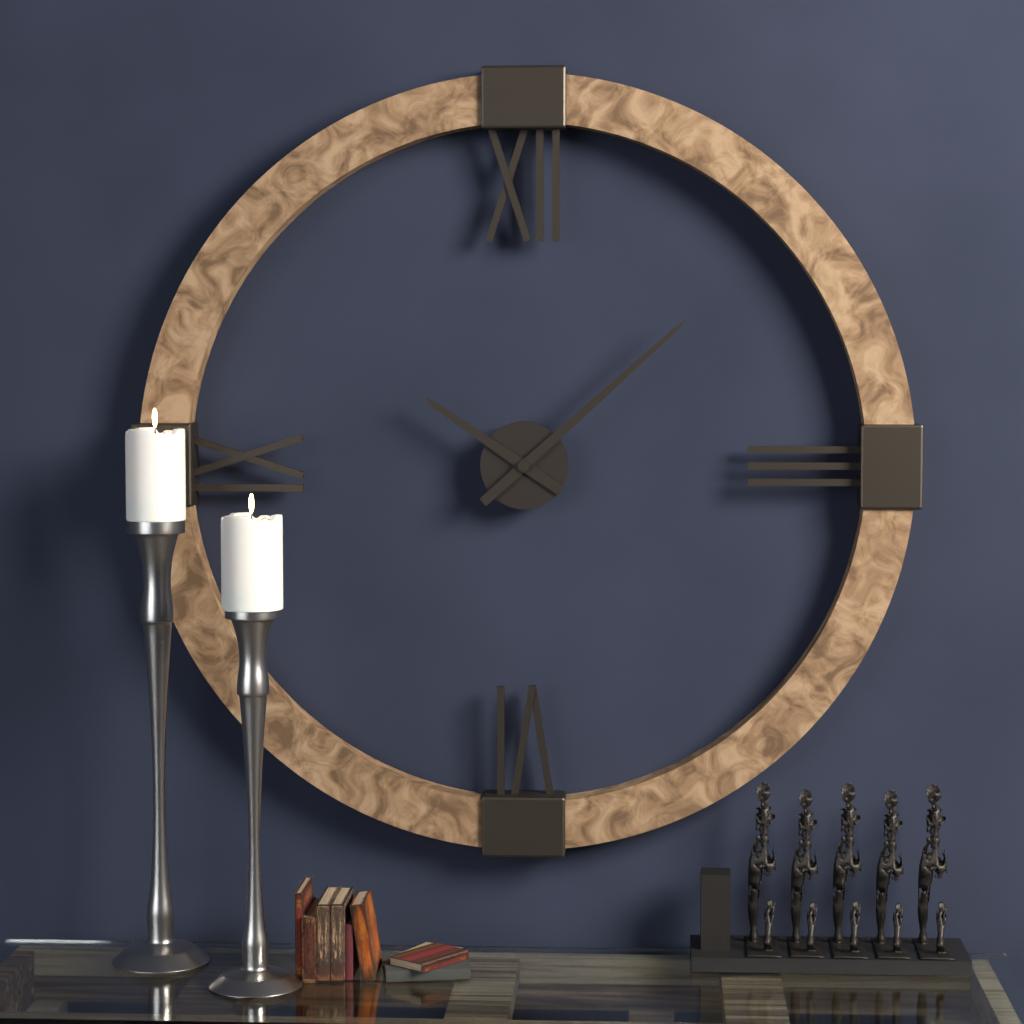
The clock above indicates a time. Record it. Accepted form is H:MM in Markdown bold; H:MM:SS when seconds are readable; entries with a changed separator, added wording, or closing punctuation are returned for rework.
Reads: **10:08**
